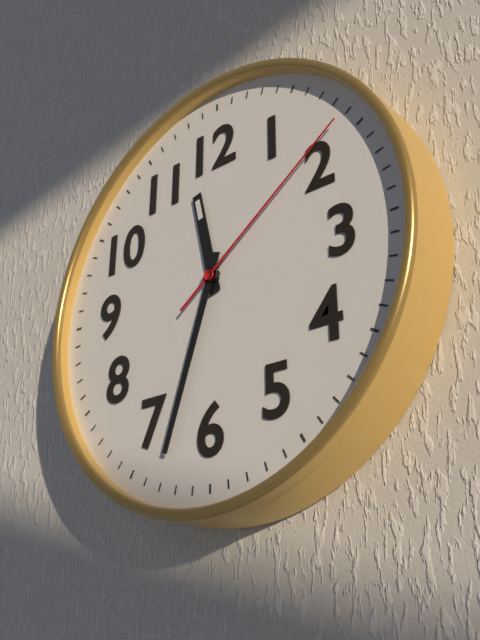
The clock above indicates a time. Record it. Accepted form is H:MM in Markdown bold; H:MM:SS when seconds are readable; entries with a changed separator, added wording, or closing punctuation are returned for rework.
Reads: **11:33:09**
